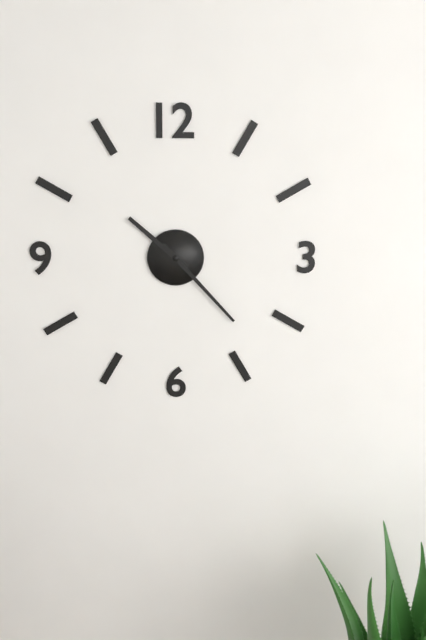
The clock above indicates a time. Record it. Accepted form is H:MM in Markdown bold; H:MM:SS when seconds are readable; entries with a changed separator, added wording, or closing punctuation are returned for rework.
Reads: **10:23**
